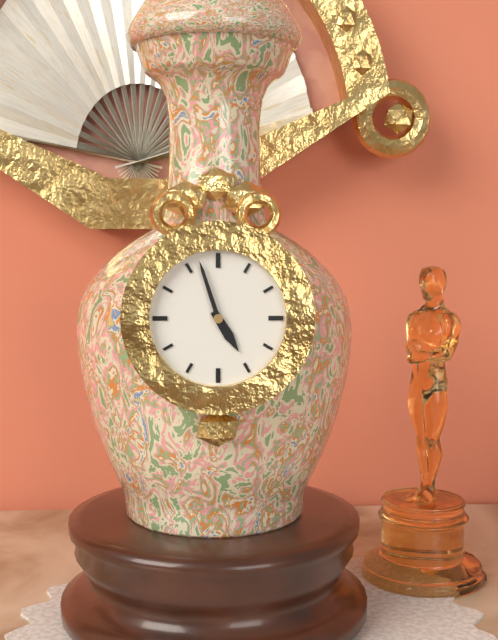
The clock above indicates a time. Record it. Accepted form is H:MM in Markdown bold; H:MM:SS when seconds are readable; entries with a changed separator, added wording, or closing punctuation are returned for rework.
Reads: **4:57**
